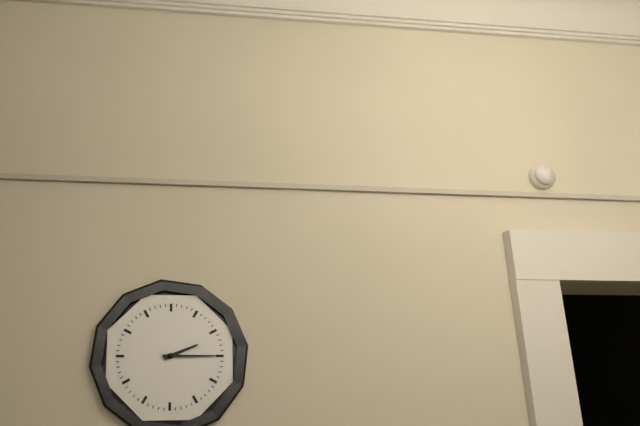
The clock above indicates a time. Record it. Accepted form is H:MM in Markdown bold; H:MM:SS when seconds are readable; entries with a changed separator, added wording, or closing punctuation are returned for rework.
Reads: **2:15**
